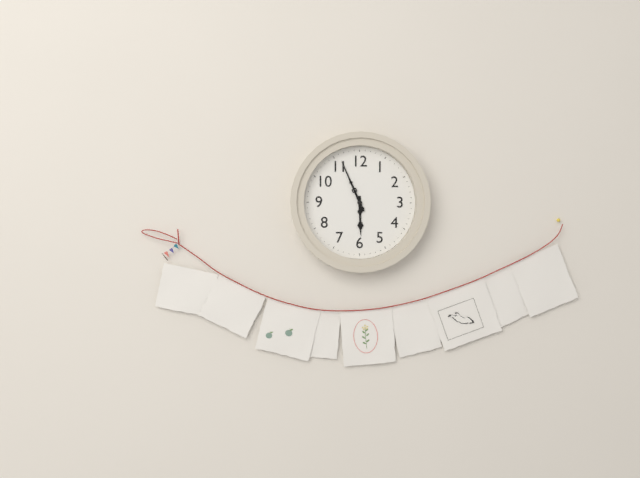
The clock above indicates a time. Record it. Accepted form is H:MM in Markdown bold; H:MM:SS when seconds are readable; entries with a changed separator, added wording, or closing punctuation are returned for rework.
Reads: **5:56**
